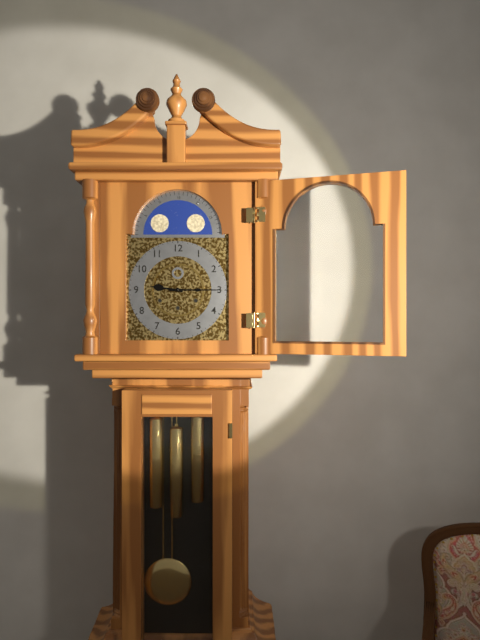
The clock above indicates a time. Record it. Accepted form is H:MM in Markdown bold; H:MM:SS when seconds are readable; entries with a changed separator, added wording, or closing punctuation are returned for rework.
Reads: **9:15**
